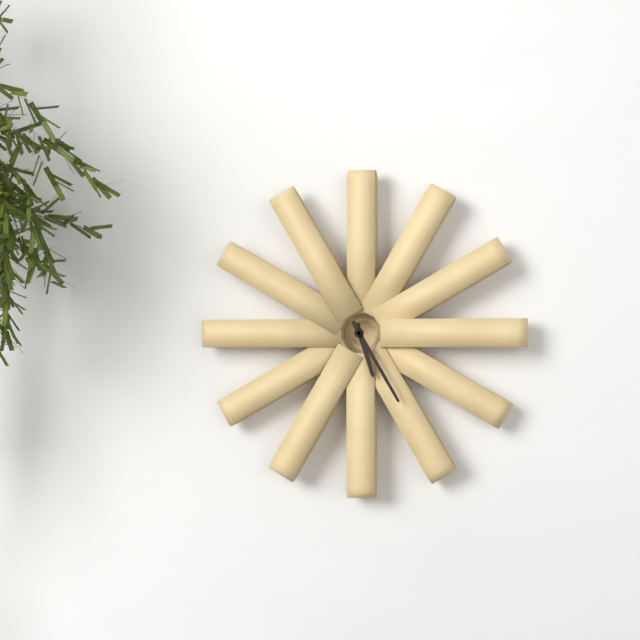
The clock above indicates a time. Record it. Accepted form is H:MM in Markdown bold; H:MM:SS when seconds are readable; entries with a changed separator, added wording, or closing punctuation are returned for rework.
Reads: **5:25**
